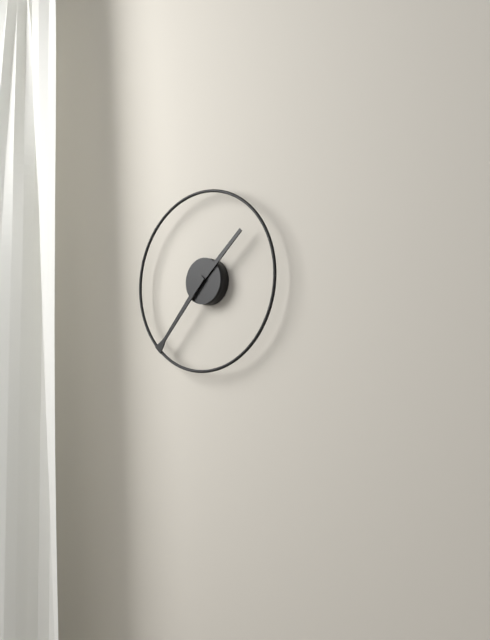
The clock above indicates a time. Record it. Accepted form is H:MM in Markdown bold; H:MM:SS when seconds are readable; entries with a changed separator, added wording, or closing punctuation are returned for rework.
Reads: **1:37**
